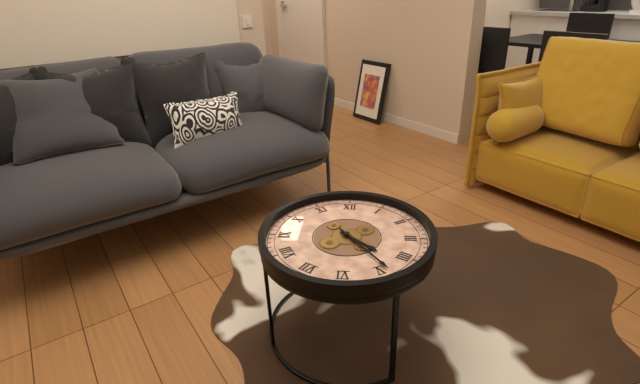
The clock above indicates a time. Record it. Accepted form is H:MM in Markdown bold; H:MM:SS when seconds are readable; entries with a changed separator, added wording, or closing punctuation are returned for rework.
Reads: **4:24**
